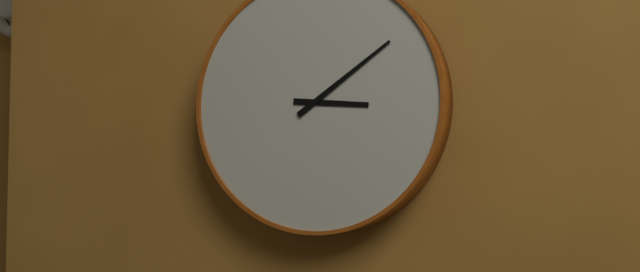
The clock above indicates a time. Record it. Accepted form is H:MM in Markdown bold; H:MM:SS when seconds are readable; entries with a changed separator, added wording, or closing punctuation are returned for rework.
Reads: **3:09**
